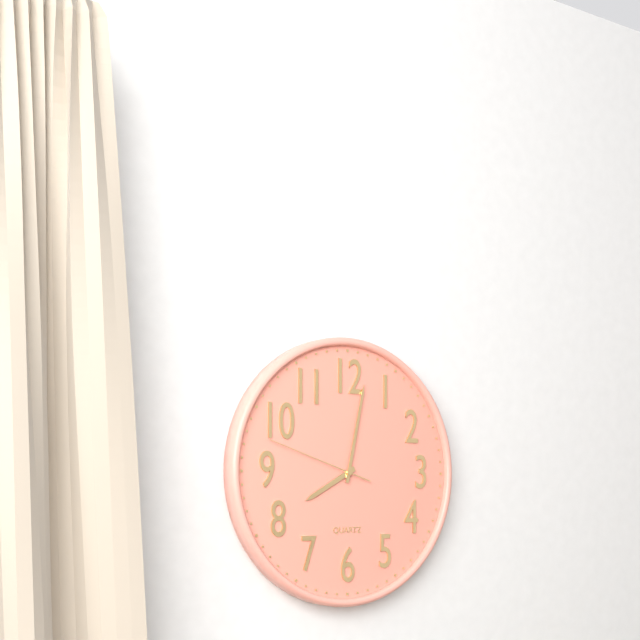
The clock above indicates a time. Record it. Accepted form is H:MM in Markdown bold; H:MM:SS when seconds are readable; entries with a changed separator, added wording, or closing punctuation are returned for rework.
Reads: **8:02:48**
